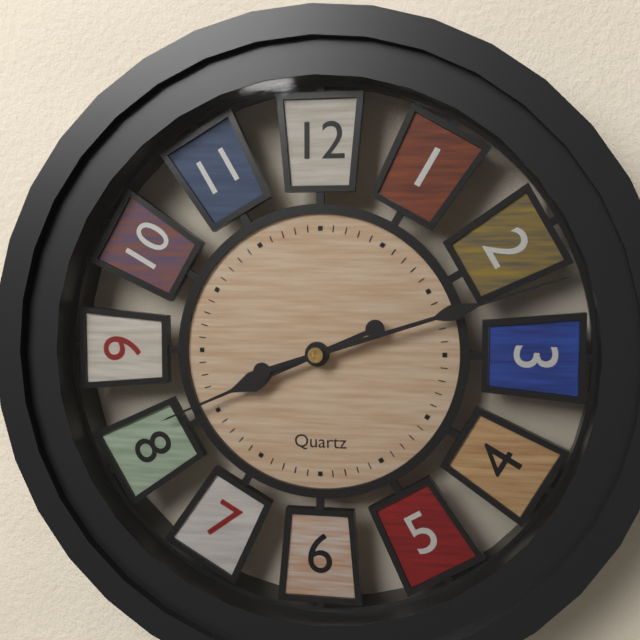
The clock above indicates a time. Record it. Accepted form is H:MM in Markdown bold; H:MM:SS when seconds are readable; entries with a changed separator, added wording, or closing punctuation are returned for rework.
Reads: **8:12**
